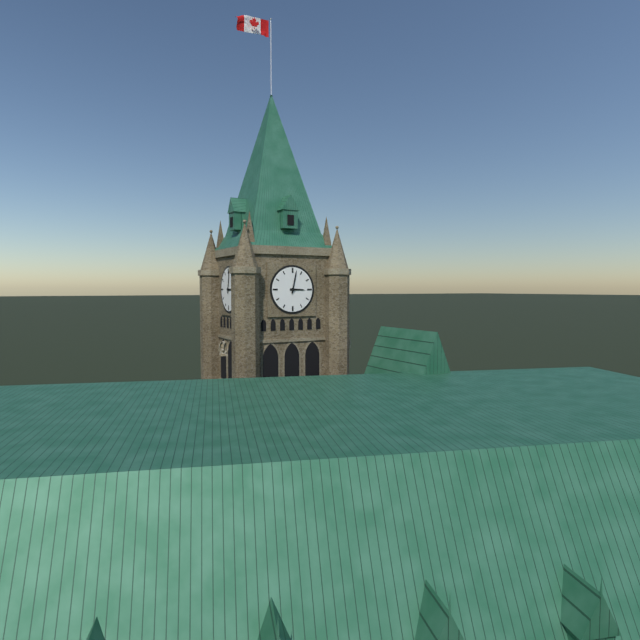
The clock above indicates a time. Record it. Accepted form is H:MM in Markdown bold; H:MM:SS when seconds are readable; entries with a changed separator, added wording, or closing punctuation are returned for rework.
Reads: **3:02**
